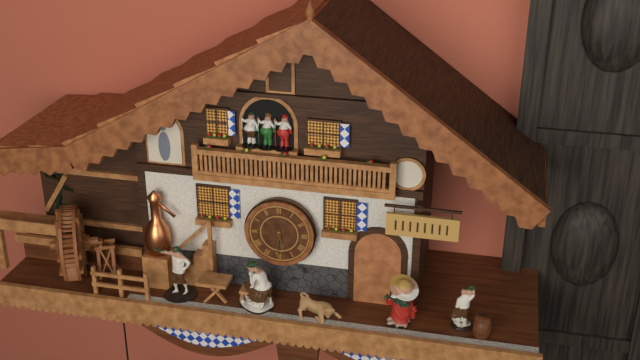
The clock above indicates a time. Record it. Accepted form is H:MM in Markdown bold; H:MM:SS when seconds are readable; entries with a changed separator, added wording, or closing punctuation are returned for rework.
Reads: **5:31**
